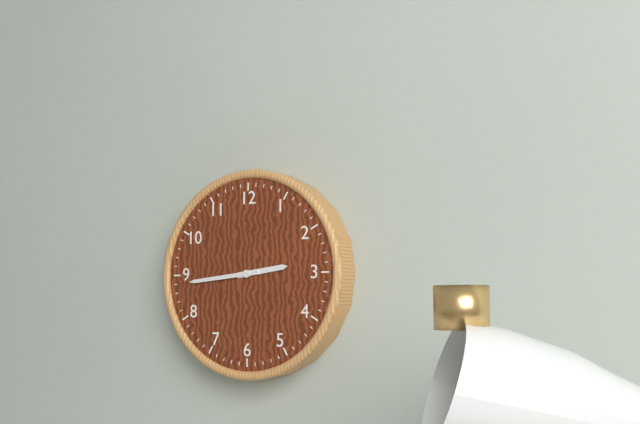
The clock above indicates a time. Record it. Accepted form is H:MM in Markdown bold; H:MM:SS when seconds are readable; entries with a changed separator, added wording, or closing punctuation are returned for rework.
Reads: **2:44**
